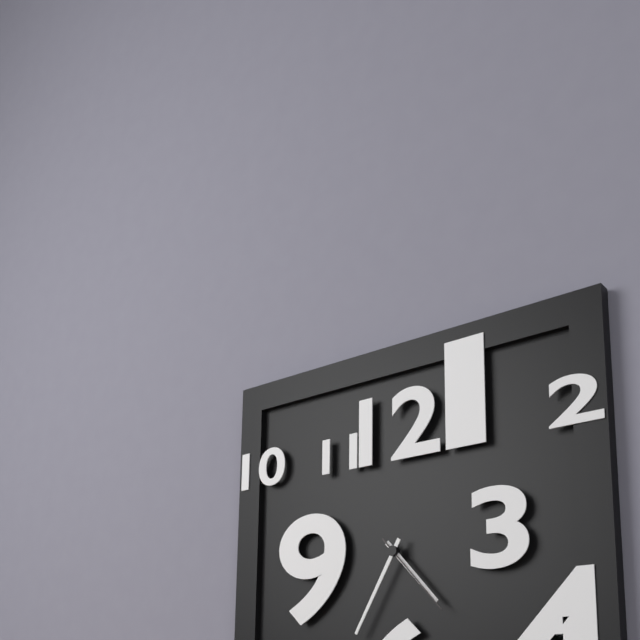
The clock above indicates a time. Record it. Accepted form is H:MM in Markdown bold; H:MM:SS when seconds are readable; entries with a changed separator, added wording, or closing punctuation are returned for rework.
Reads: **4:35:23**
